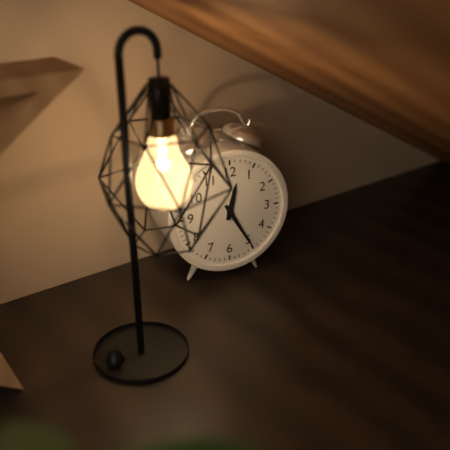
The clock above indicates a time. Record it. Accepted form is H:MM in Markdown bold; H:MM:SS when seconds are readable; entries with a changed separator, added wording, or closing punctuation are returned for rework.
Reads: **12:25**
